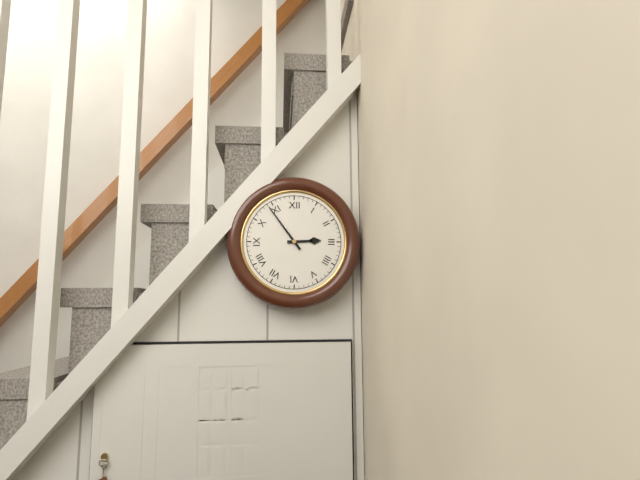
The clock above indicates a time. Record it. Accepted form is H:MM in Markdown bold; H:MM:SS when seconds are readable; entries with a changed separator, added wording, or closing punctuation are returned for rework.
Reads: **2:54**
